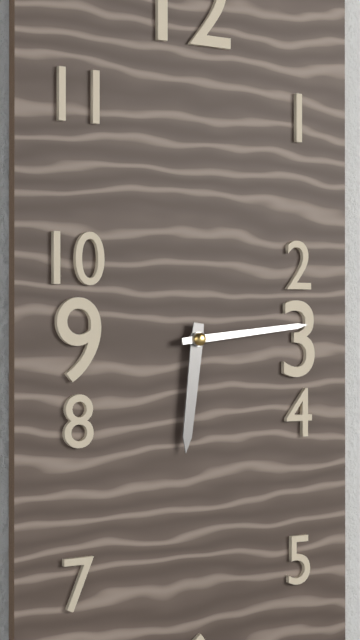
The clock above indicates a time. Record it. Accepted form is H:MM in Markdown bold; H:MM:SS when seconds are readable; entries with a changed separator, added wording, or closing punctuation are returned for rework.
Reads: **6:14**
